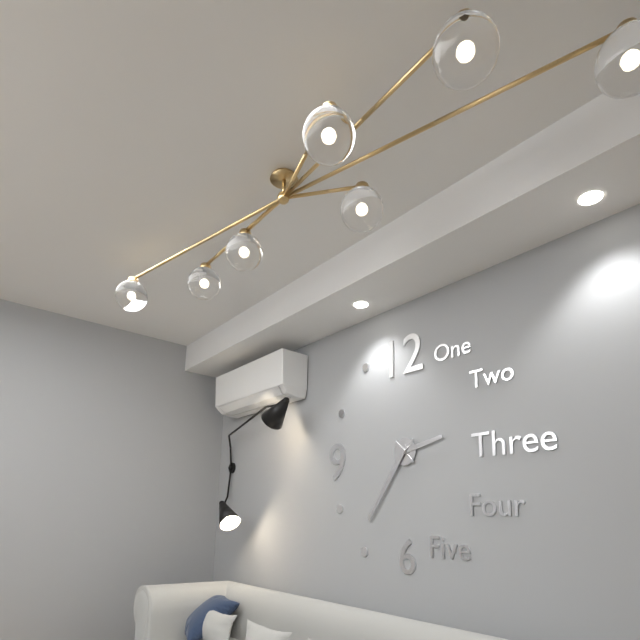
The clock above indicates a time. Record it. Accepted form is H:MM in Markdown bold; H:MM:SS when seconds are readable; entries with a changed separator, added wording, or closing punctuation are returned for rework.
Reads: **2:36**
